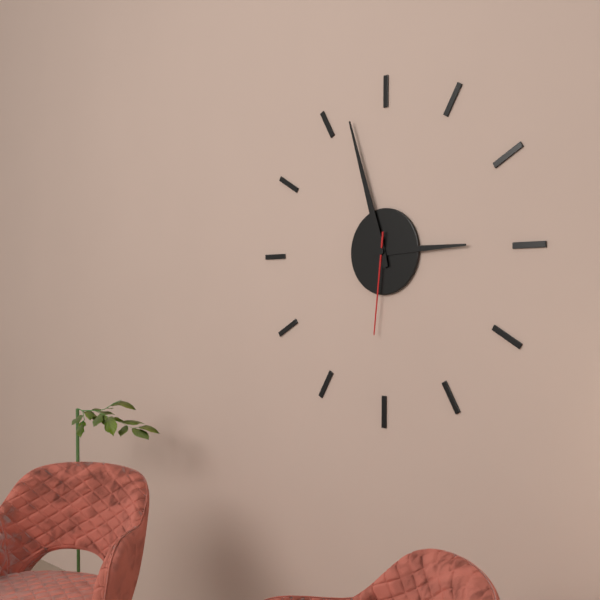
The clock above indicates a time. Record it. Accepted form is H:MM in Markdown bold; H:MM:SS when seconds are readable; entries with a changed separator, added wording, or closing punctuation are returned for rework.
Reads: **2:57:31**
